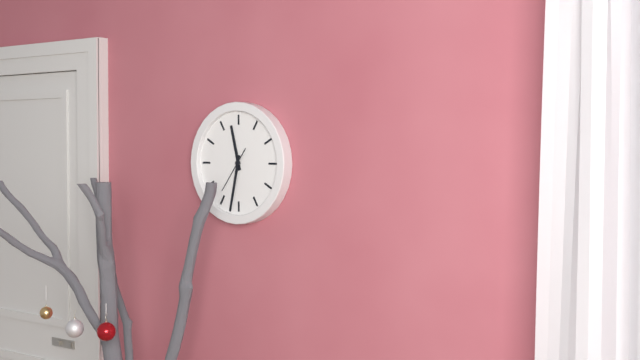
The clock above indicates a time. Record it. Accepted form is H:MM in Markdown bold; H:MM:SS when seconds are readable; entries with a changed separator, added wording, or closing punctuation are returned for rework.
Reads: **11:32**
